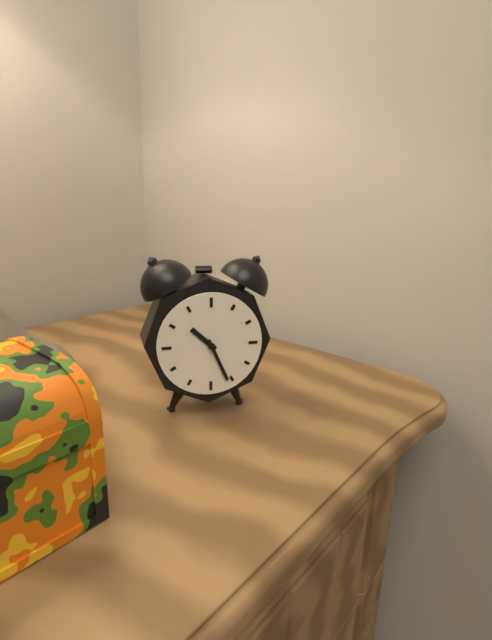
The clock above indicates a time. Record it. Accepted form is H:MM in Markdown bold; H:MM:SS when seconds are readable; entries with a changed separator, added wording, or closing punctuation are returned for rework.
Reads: **10:26**
